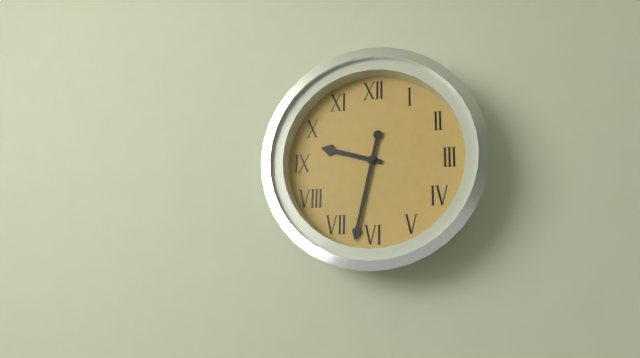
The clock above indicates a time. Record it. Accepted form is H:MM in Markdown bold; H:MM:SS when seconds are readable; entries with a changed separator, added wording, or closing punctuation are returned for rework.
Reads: **9:32**
